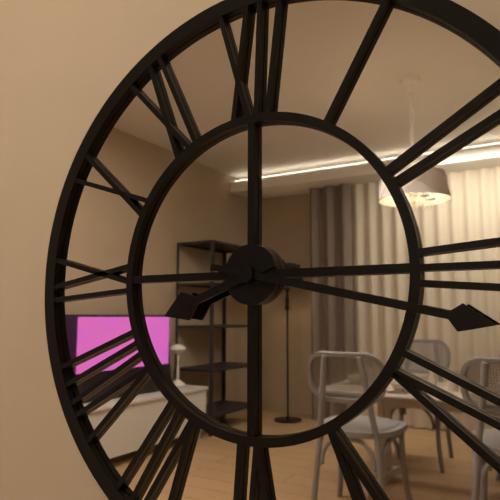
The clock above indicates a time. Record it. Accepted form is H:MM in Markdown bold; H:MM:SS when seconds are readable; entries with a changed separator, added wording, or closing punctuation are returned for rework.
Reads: **8:17**
